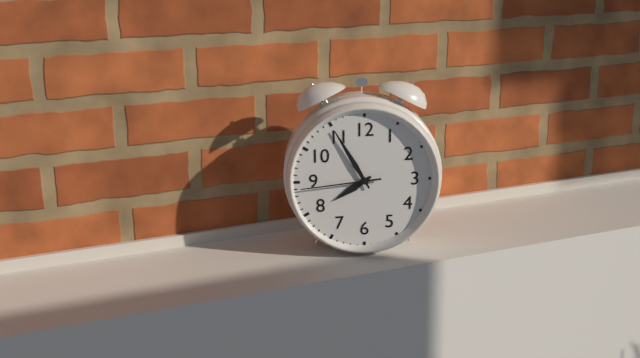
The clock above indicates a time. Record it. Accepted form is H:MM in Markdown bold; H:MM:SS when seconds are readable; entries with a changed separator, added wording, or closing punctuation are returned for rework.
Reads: **7:55:44**
